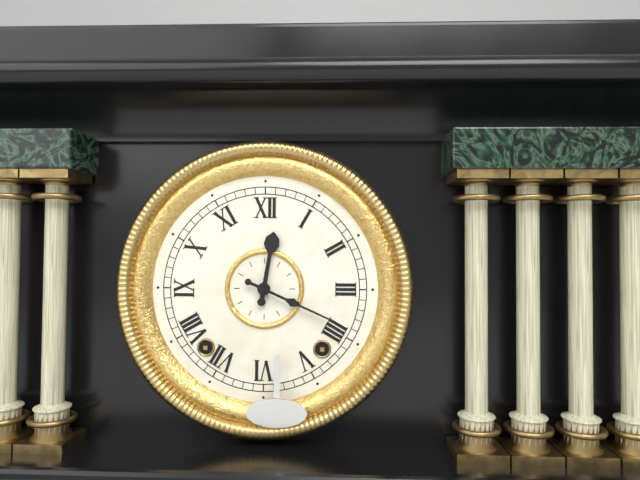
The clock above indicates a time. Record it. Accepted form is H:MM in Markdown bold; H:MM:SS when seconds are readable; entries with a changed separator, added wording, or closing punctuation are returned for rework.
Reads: **12:19**
